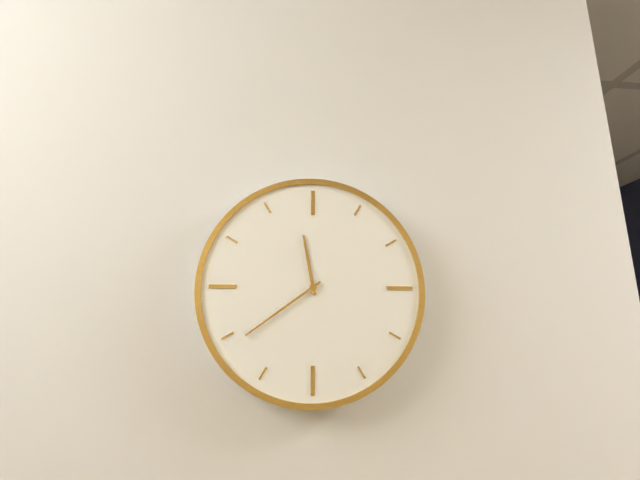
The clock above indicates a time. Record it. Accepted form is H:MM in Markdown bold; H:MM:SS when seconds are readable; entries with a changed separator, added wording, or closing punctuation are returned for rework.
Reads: **11:39**
